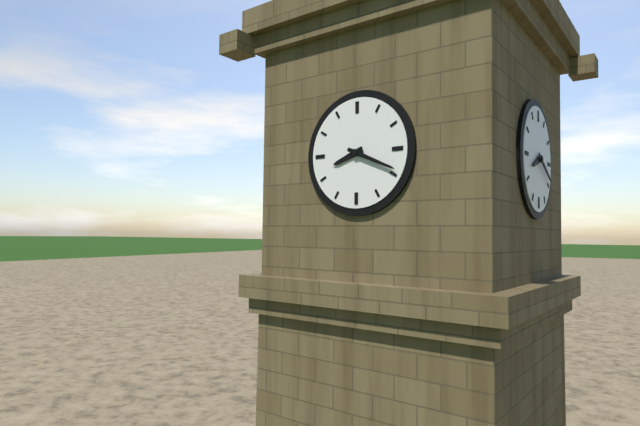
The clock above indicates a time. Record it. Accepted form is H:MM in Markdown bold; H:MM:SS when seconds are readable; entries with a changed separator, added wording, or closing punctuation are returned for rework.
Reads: **8:19**
